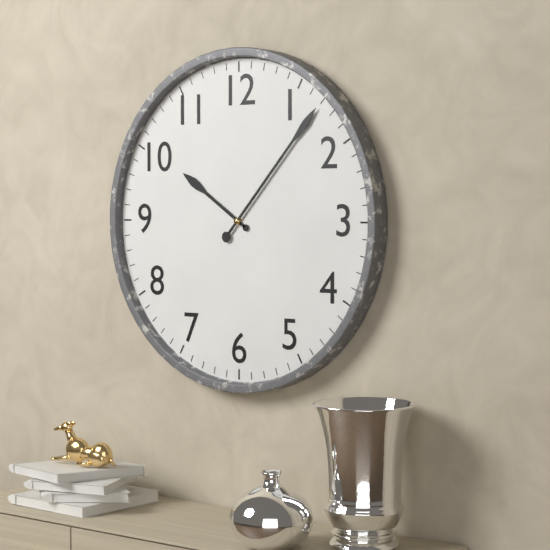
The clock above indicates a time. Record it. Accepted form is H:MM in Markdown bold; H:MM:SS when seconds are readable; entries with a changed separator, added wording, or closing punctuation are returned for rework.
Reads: **10:07**
